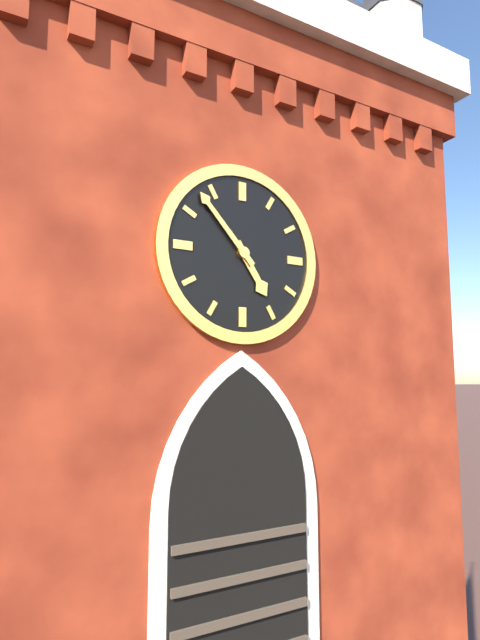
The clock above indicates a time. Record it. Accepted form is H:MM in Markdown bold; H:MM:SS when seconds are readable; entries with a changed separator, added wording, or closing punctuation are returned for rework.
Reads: **4:53**
